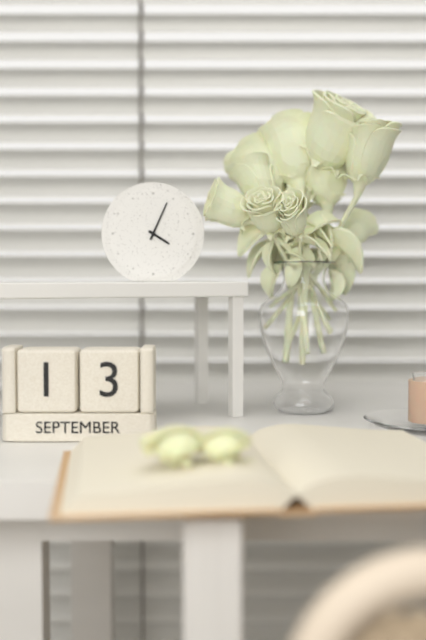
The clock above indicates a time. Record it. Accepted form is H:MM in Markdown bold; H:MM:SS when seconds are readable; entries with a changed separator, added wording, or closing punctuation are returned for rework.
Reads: **4:04**
